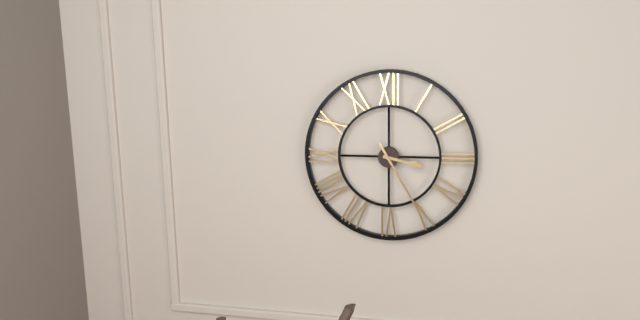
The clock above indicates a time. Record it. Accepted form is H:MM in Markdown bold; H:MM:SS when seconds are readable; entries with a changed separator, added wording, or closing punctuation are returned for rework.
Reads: **3:25**
